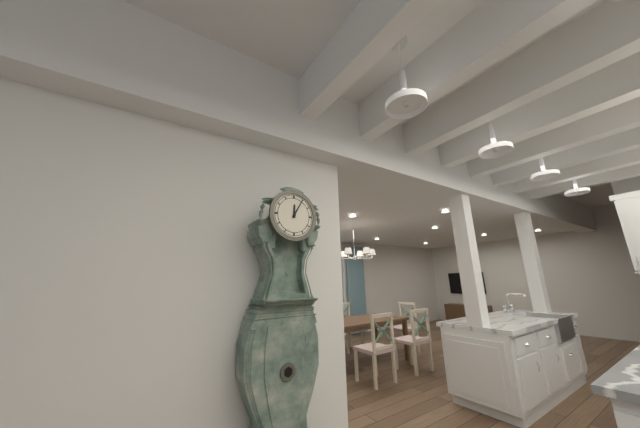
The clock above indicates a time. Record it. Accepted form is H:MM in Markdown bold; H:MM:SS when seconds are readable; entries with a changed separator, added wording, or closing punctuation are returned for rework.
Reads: **12:05**
